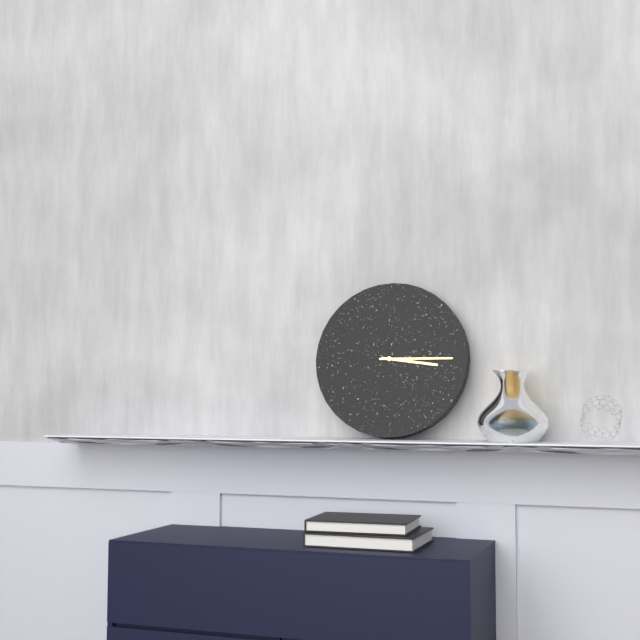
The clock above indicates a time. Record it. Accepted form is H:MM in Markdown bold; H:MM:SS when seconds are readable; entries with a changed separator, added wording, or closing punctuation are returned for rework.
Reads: **3:15**
